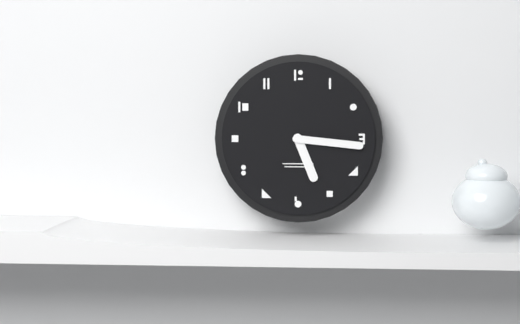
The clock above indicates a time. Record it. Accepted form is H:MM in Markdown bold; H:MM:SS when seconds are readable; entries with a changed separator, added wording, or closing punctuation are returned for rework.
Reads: **5:16**
